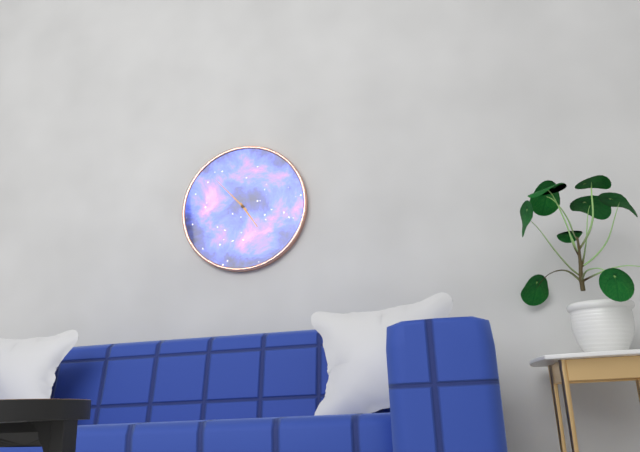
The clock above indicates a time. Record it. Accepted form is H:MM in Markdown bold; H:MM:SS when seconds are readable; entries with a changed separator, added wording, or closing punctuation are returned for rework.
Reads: **4:53**
